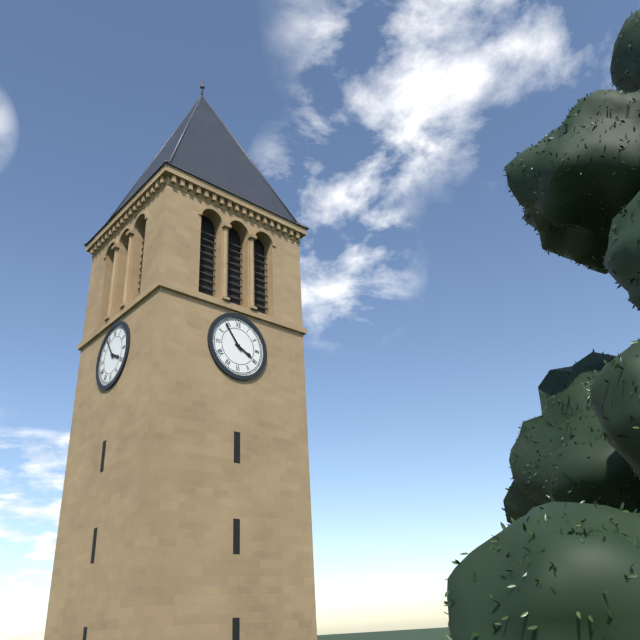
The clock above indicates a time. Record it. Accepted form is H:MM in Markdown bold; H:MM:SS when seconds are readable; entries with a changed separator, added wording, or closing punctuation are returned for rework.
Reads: **3:54**
